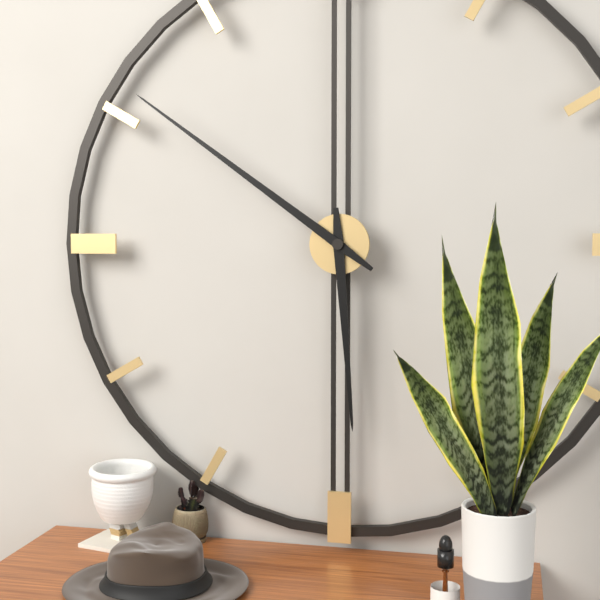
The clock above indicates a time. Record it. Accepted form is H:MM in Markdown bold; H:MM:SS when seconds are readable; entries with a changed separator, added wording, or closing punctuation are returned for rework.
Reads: **5:51**
